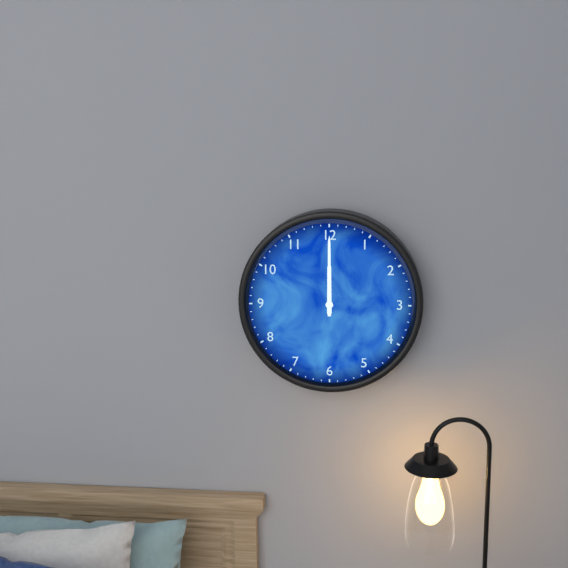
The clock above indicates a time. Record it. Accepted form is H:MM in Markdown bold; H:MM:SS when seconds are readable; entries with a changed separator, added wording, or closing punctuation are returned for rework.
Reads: **12:00**
